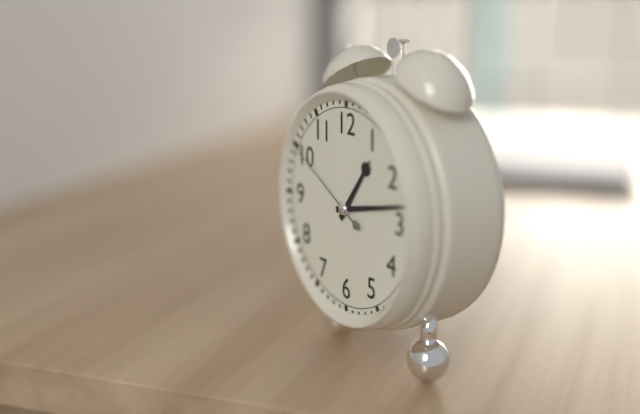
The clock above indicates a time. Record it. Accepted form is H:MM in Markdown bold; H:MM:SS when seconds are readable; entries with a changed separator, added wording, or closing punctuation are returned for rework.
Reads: **1:13:50**
